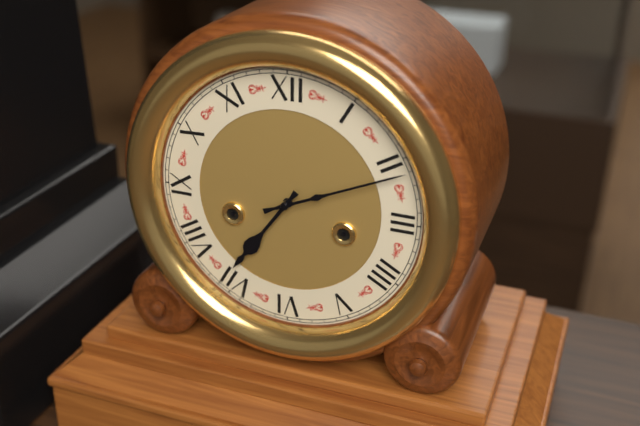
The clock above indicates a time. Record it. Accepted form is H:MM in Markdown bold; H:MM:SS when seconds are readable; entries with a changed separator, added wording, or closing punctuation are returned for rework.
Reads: **7:11**
